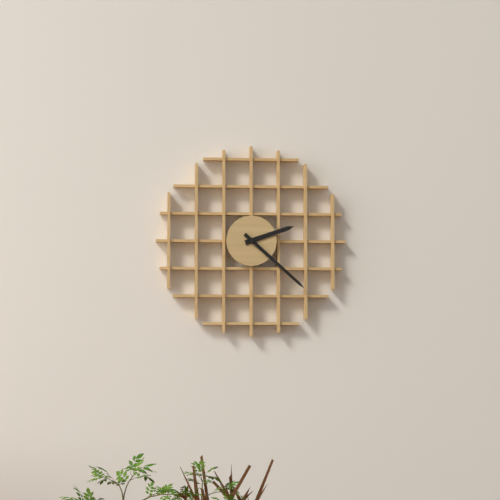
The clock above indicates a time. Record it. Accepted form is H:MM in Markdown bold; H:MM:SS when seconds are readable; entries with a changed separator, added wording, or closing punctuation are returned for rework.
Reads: **2:22**
